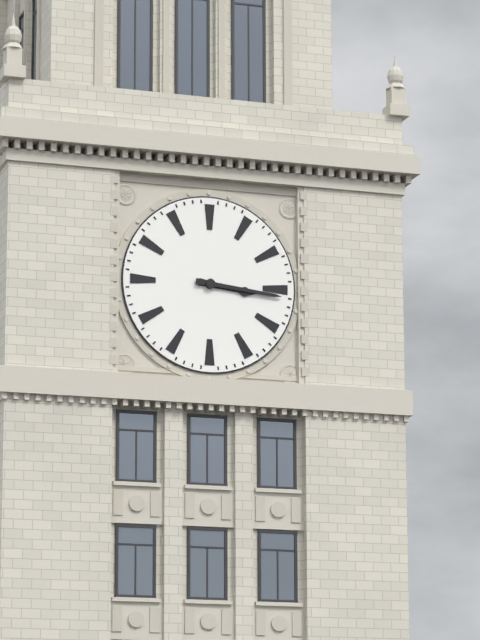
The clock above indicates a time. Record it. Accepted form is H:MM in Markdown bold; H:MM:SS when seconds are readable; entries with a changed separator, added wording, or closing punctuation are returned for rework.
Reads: **3:16**
